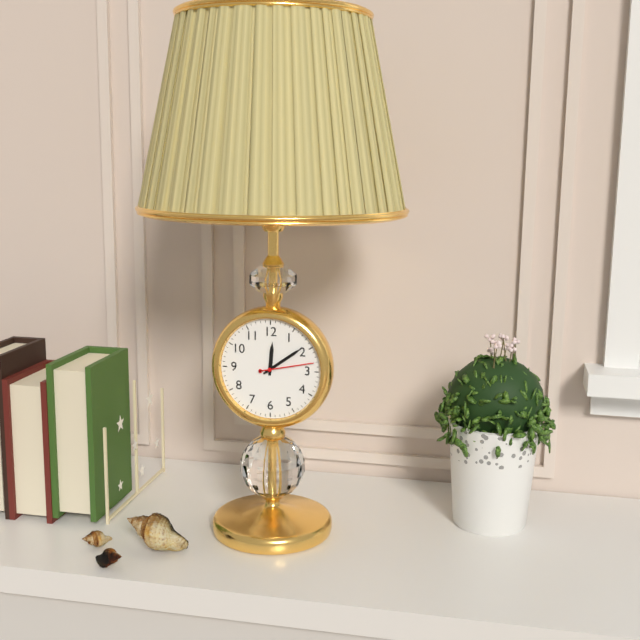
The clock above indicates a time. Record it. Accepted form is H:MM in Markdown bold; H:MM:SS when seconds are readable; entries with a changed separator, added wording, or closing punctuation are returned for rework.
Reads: **12:09:13**
